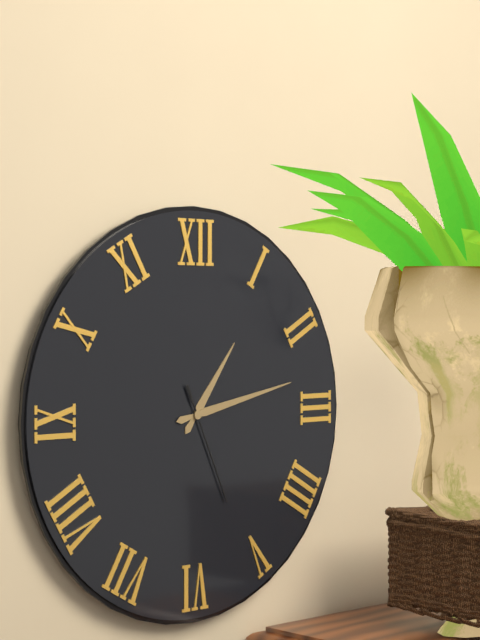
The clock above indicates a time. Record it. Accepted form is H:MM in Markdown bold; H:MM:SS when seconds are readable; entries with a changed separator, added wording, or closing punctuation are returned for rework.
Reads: **1:13:26**
